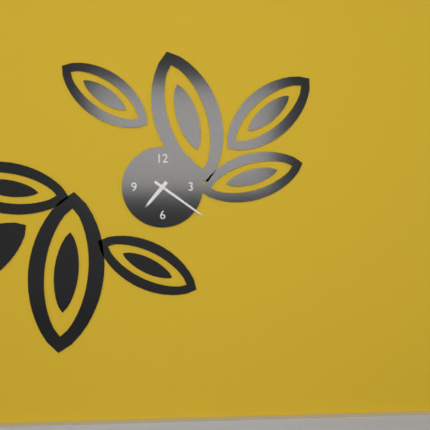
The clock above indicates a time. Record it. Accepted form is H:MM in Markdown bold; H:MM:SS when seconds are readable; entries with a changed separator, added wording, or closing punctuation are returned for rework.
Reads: **7:21**
